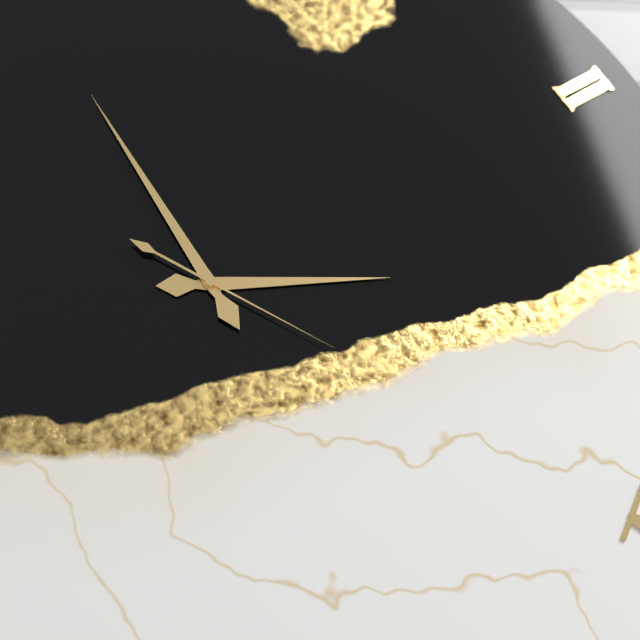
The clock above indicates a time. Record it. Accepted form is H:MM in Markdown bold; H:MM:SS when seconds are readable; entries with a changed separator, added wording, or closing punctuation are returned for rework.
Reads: **2:55:20**
